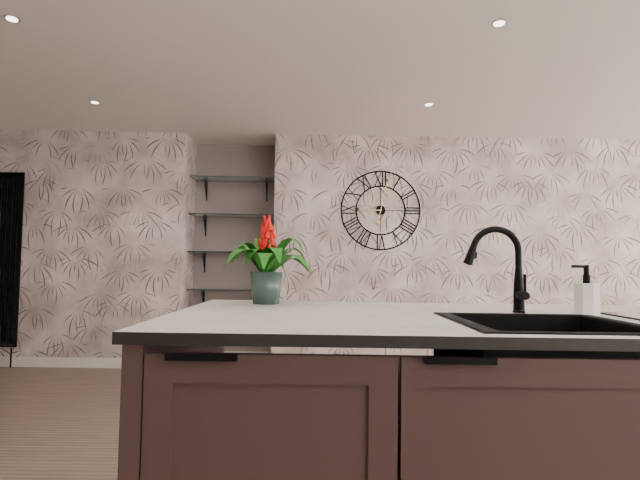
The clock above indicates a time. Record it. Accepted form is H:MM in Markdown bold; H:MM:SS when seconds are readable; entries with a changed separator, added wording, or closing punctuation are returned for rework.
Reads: **9:02**
